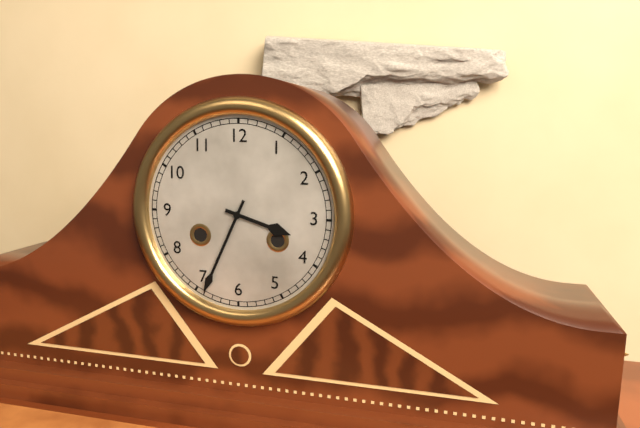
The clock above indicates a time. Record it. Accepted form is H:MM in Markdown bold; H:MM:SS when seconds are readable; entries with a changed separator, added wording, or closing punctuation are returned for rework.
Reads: **3:34**
